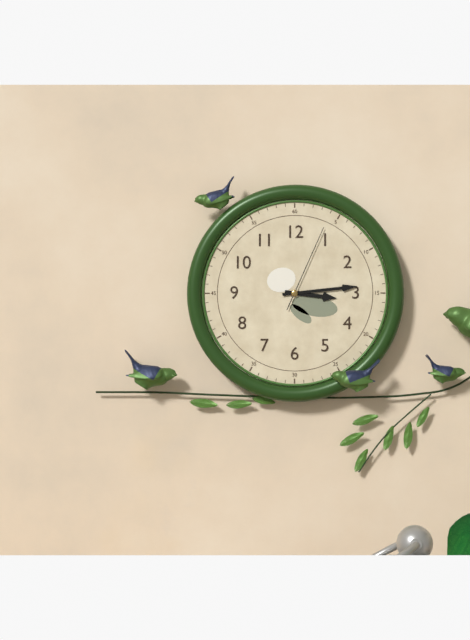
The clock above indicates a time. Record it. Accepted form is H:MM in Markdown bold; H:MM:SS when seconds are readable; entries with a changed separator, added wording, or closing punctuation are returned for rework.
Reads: **3:14:04**
